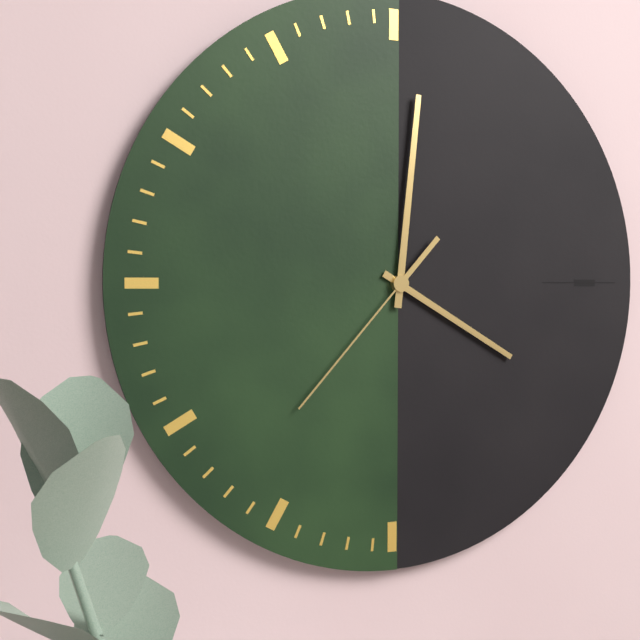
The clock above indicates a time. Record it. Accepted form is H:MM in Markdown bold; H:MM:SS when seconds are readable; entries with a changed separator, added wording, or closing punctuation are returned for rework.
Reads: **4:01:37**
